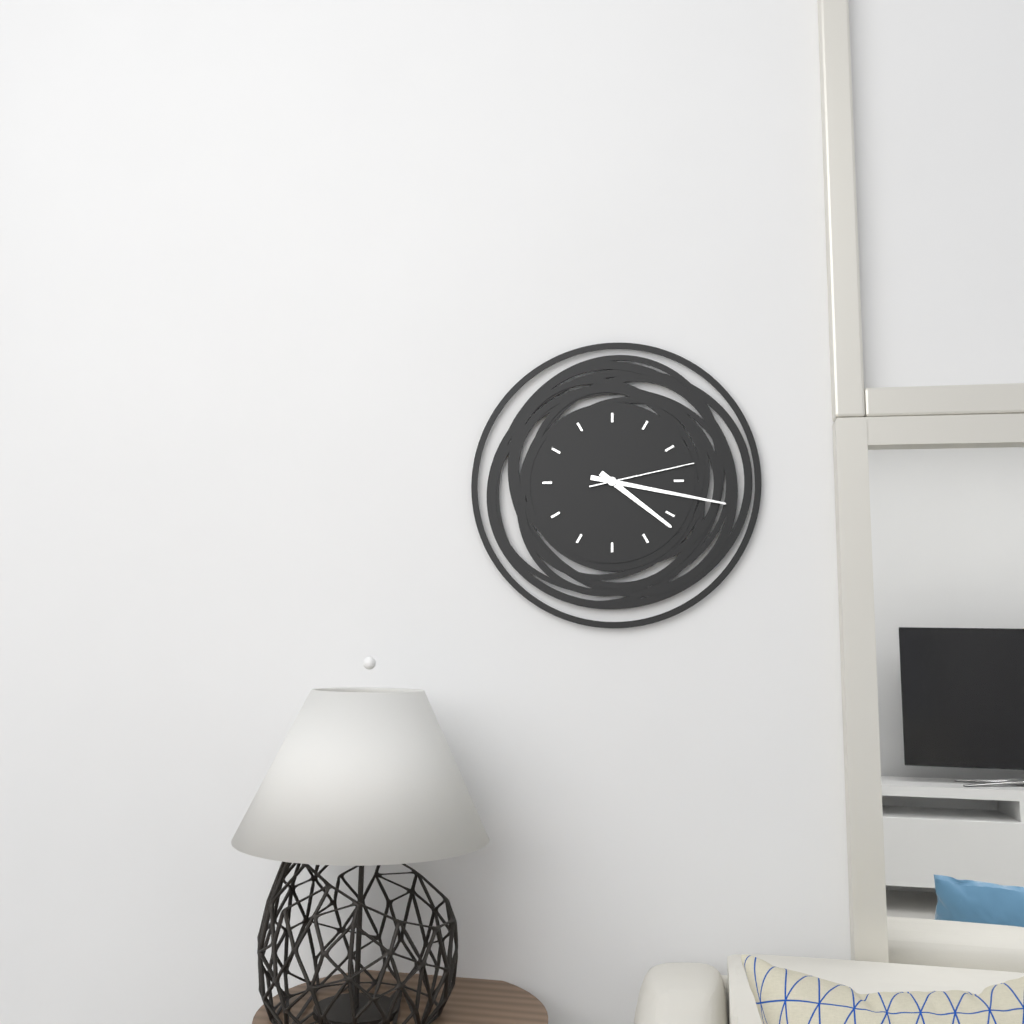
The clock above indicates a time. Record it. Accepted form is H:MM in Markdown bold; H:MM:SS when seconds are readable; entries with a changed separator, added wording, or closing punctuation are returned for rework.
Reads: **4:17:13**
